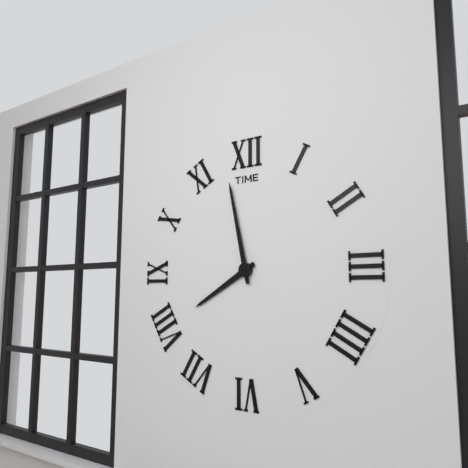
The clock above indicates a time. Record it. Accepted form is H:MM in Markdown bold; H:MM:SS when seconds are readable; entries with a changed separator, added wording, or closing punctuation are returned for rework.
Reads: **7:58**
